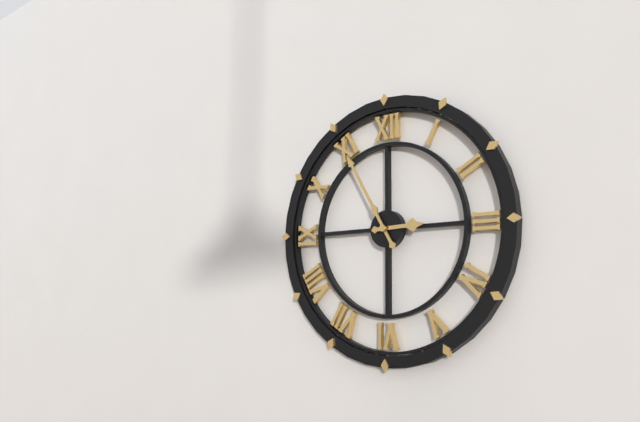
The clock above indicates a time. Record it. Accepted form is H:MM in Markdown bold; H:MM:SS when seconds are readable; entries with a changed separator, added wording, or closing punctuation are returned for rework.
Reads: **2:55**
